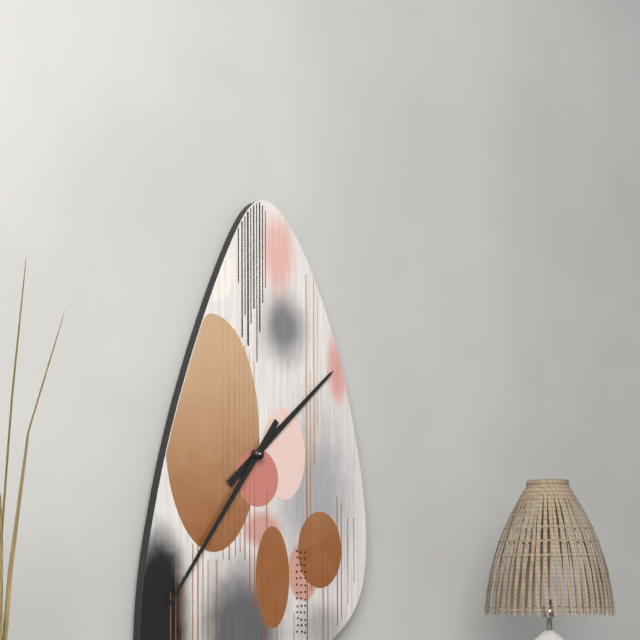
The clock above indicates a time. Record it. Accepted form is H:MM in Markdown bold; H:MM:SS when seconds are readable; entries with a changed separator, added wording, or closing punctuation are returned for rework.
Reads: **1:36**
